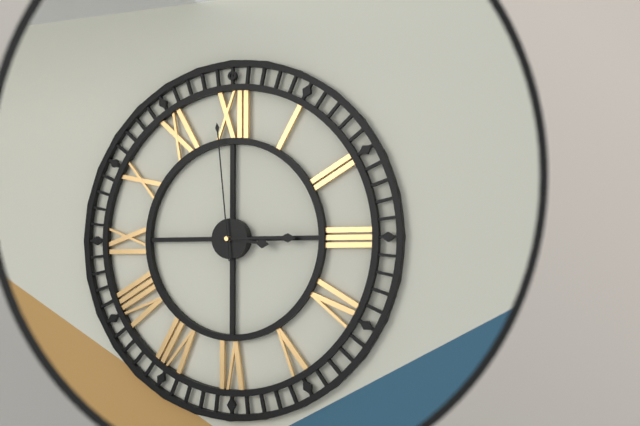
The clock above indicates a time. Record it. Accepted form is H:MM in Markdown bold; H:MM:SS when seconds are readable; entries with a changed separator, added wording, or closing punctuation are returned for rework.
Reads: **3:15:59**
